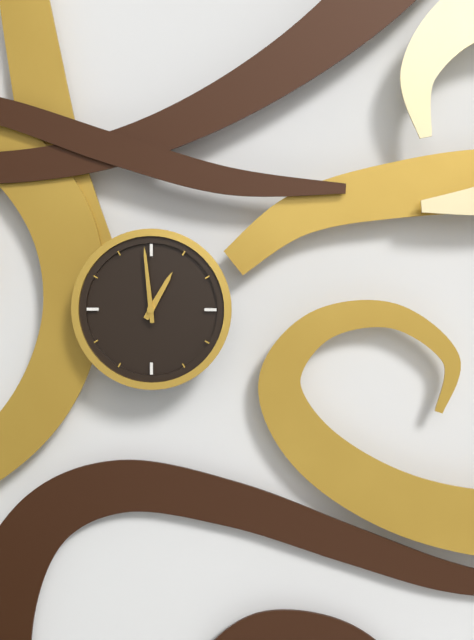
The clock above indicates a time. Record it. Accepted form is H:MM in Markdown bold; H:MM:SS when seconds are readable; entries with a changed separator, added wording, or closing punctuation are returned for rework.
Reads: **12:59**
